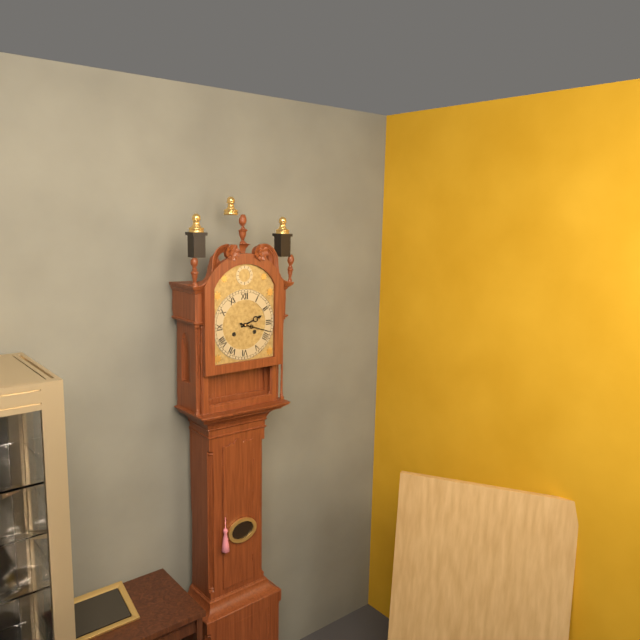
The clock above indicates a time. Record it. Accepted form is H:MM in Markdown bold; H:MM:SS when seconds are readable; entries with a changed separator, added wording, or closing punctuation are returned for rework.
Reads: **2:18**
